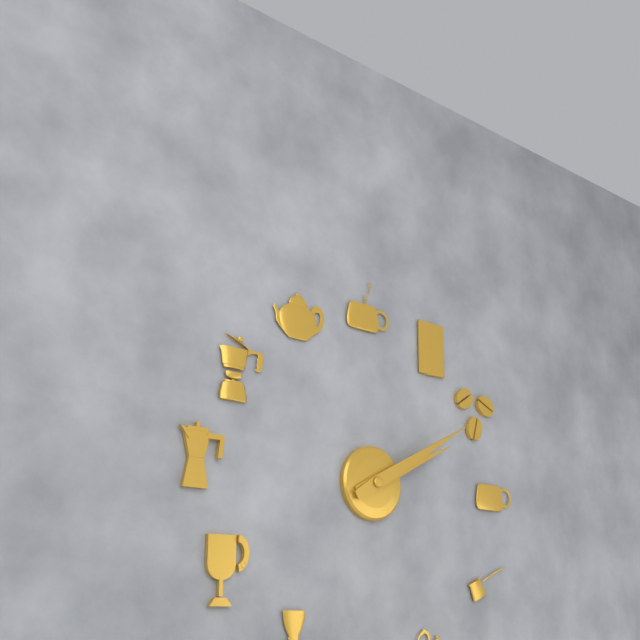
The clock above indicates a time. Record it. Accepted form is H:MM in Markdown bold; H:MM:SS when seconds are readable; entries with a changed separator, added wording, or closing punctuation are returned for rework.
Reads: **2:10**
